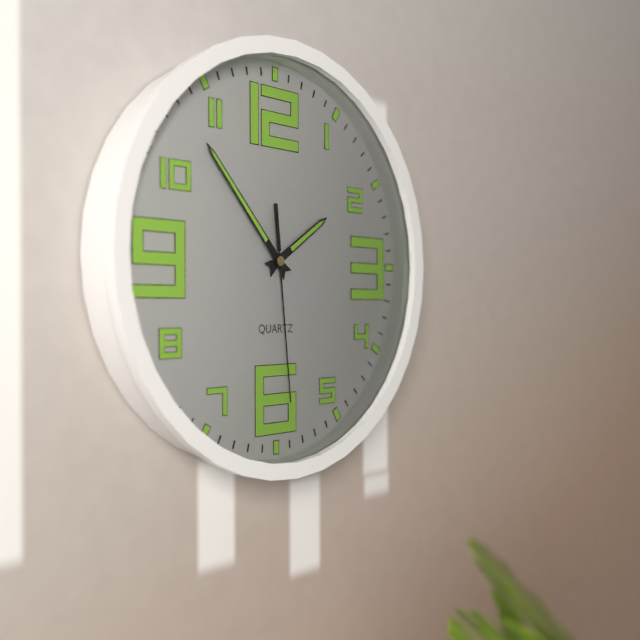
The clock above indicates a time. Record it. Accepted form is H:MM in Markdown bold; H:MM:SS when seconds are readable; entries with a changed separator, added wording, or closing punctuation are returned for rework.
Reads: **1:53:29**
